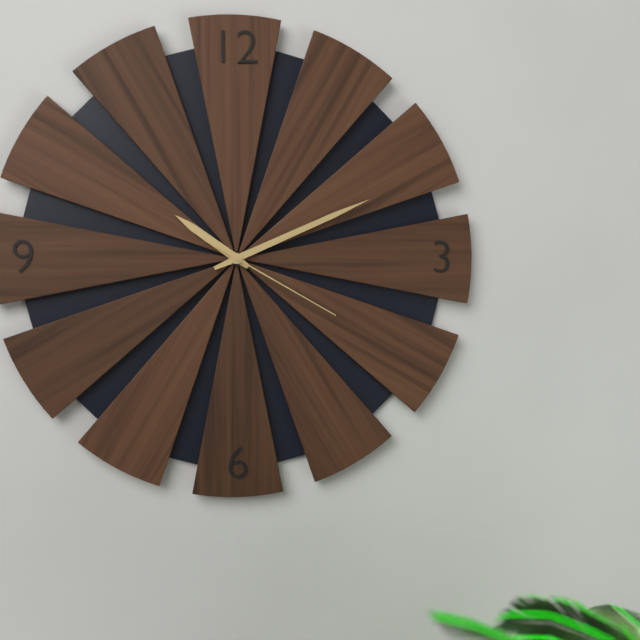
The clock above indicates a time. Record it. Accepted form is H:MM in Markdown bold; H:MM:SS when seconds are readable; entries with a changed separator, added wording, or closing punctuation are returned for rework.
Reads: **10:11:20**
